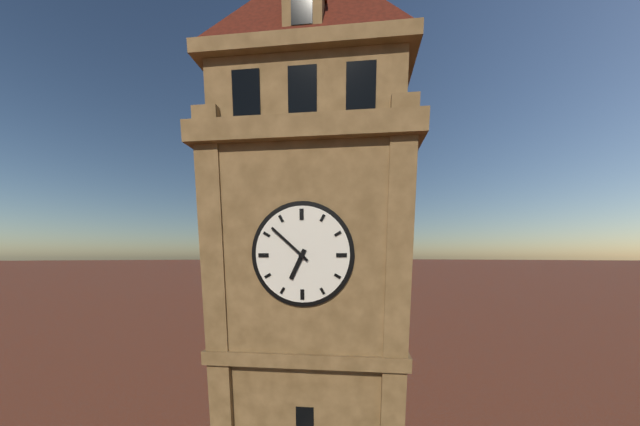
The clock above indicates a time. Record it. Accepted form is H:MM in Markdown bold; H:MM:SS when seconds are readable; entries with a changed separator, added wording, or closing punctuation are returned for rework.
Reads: **6:52**
